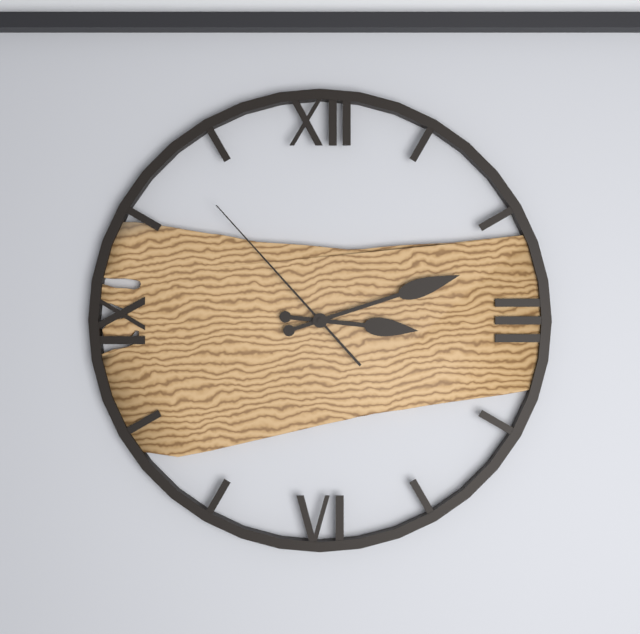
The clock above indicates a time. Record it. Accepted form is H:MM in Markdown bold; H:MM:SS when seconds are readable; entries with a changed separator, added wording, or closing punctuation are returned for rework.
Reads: **3:12:53**
